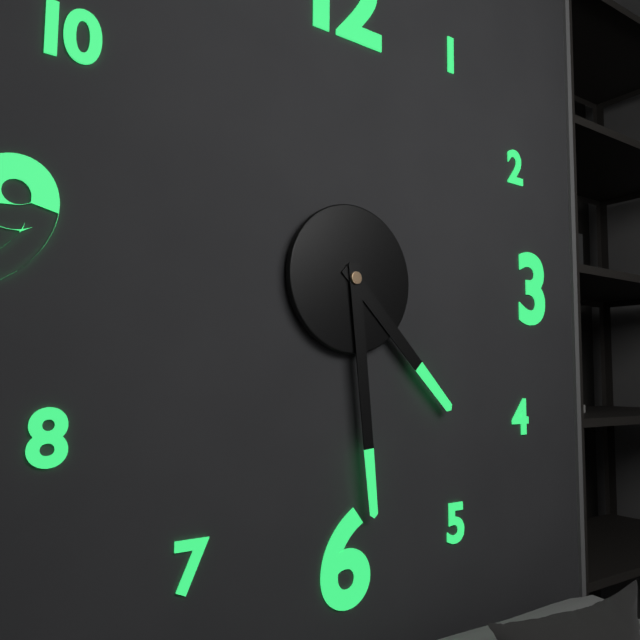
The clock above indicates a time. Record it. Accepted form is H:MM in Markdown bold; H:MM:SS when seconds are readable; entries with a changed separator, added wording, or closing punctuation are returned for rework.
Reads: **4:29**
